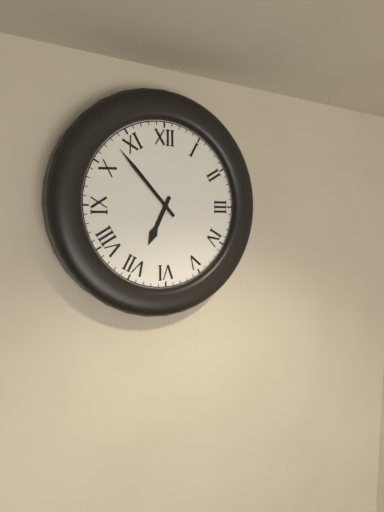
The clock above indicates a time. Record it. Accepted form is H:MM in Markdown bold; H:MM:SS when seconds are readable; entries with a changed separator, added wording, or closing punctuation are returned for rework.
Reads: **6:53**
